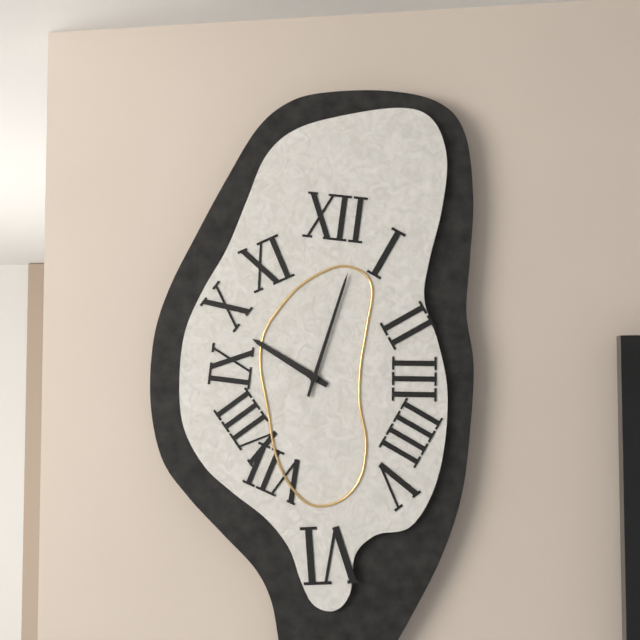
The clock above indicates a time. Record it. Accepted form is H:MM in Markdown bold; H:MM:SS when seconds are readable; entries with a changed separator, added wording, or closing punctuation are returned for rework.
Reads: **10:03**
